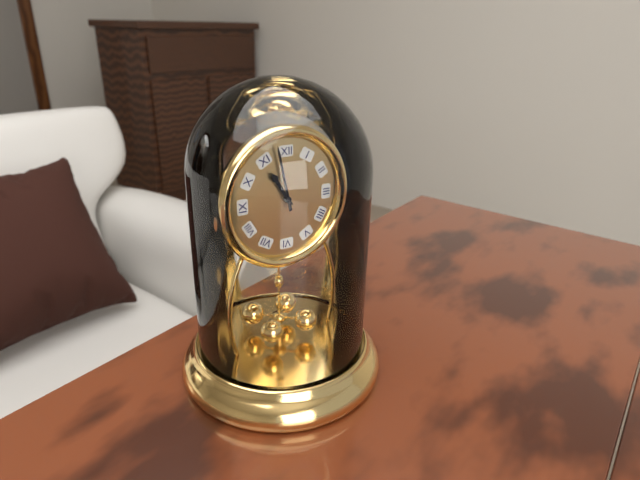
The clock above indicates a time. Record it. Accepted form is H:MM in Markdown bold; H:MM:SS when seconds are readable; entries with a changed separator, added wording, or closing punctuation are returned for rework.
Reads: **10:58**
